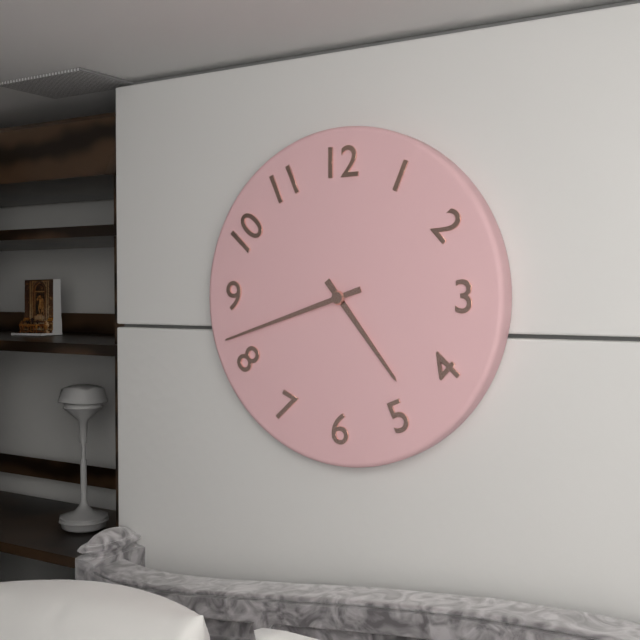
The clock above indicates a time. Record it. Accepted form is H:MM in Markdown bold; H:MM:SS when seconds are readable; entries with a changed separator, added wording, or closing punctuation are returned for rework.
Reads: **4:42**
